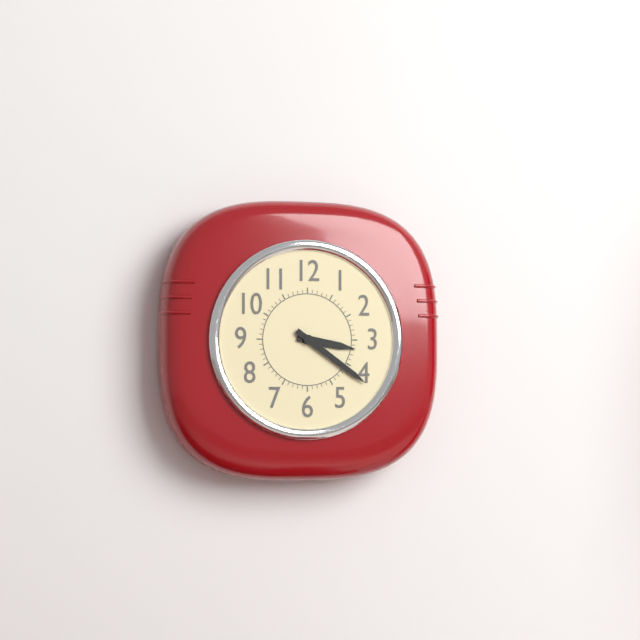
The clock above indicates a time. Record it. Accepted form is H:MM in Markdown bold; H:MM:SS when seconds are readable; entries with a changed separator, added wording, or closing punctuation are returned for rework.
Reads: **3:21**
